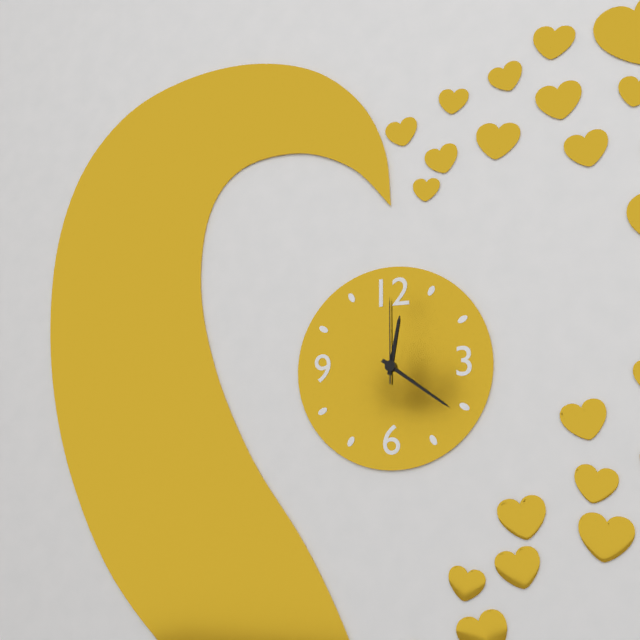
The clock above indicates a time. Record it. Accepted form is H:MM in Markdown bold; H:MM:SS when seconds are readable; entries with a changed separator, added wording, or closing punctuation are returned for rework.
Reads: **12:21:00**
